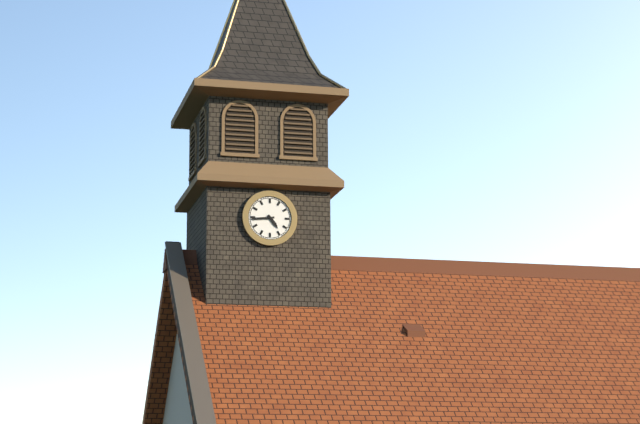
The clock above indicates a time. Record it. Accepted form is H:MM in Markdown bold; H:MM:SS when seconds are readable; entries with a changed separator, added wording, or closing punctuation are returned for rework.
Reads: **4:44**
